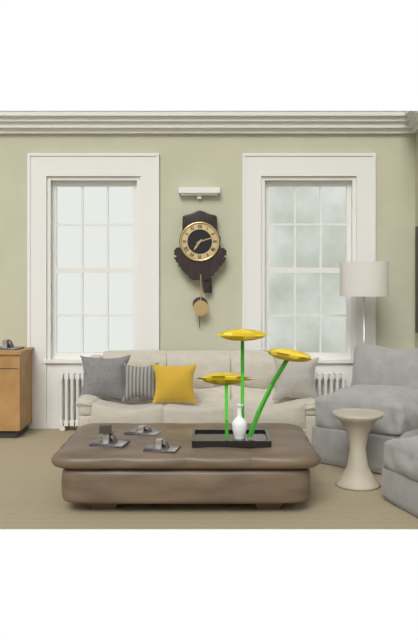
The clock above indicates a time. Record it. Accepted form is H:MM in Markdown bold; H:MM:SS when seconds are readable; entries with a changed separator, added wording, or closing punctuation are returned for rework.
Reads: **7:12**
